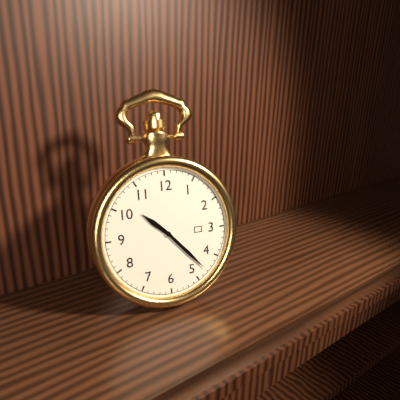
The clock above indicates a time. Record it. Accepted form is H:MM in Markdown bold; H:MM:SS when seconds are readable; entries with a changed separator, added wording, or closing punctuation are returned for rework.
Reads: **10:23**
